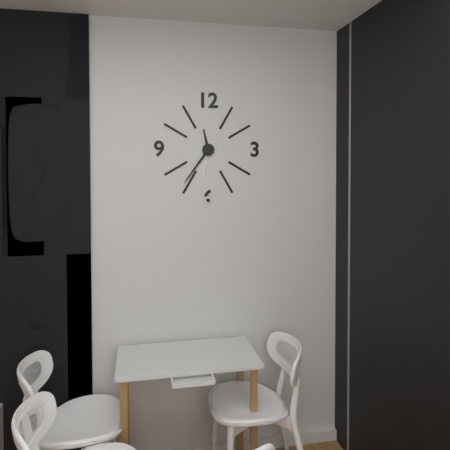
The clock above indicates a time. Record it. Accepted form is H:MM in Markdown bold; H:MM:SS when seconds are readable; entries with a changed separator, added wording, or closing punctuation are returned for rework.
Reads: **11:36**
